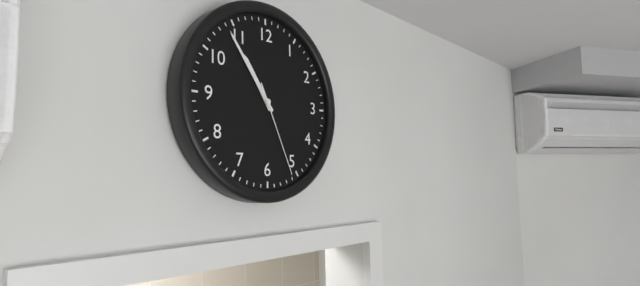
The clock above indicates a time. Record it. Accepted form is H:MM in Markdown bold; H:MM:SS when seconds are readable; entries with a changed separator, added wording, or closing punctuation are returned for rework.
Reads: **10:54:26**
